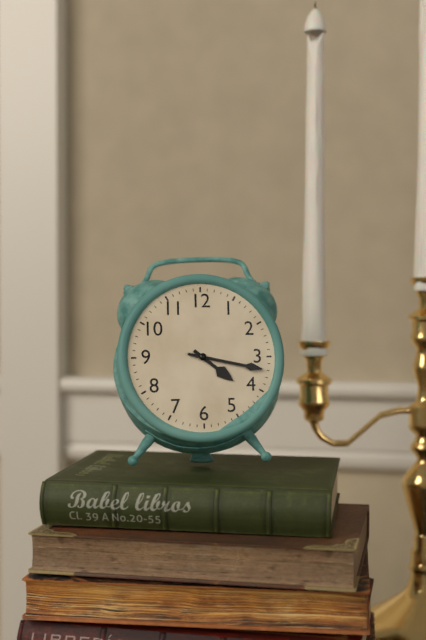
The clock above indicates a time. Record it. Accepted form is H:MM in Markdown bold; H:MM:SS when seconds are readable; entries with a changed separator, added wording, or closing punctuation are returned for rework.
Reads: **4:17**
